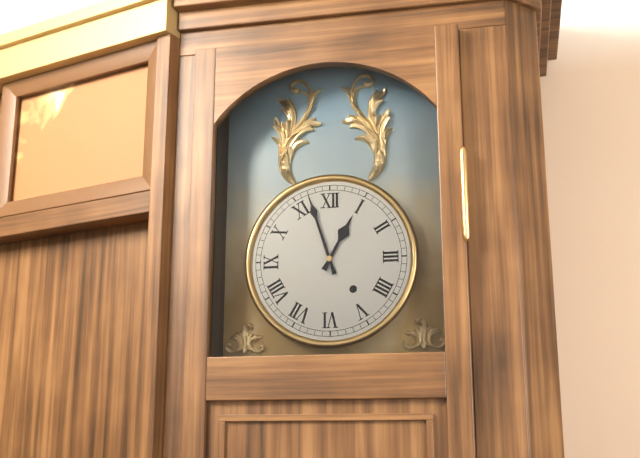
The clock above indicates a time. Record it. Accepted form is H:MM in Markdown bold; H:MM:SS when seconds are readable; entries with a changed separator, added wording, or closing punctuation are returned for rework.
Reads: **12:57**
